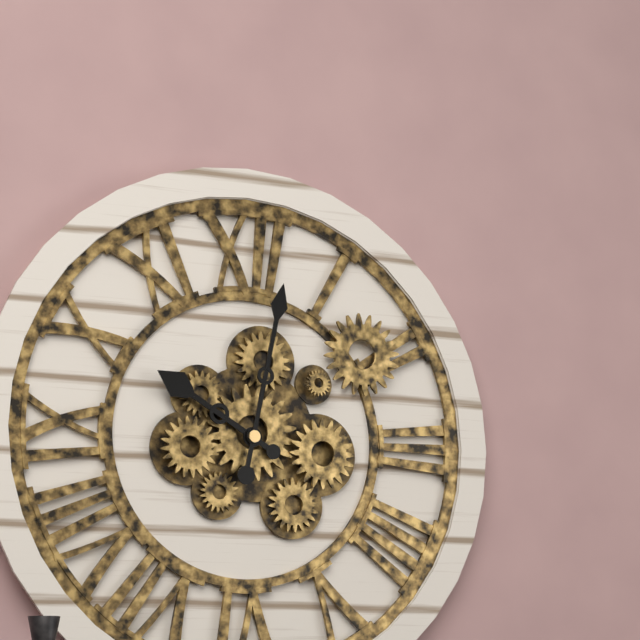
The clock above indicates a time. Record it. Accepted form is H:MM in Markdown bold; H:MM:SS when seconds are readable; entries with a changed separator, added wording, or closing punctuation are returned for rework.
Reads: **10:02**
